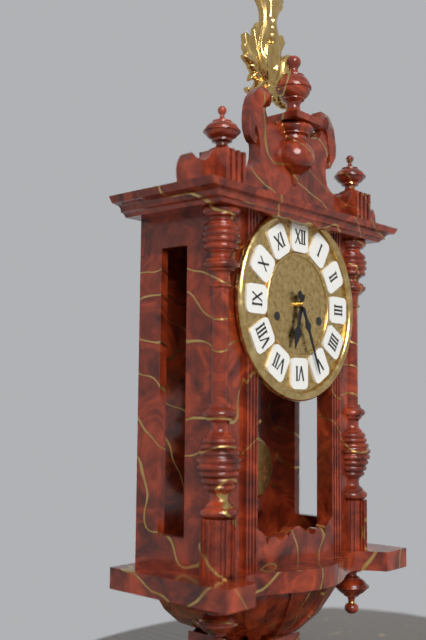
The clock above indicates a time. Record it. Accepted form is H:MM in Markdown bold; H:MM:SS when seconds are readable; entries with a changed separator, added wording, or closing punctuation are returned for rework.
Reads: **6:26**
